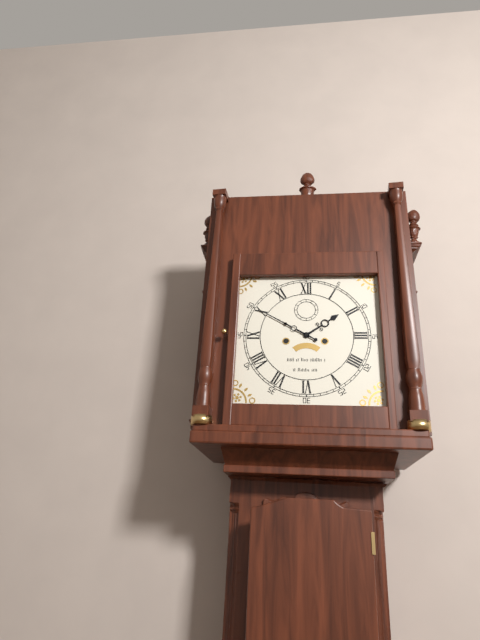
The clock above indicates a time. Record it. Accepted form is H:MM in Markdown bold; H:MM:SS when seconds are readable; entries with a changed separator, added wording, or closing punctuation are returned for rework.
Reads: **1:50**
